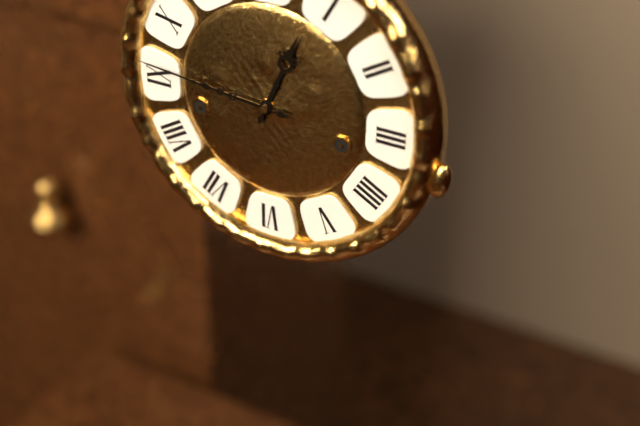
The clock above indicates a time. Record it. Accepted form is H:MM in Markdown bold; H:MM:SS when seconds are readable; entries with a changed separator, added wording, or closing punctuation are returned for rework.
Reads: **12:46**
